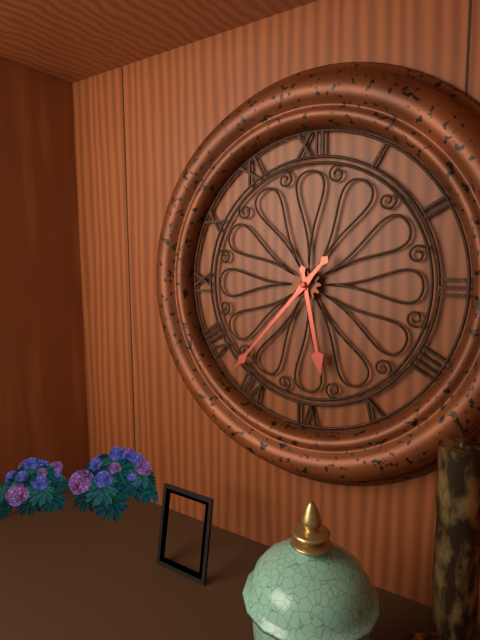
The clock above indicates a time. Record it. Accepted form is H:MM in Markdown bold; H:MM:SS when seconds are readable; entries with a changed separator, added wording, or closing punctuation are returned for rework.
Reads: **5:37**
